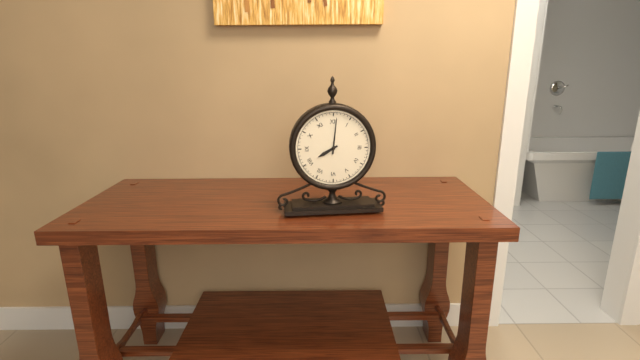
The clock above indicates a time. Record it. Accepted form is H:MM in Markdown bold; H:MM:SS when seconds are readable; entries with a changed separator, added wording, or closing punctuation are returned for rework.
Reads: **8:01**
